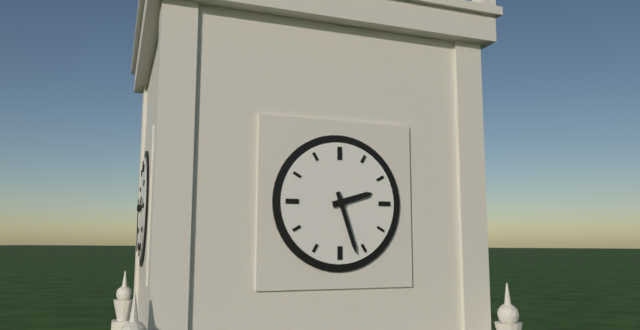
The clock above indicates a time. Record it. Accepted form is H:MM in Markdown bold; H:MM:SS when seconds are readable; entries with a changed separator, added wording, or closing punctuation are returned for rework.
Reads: **2:27**
